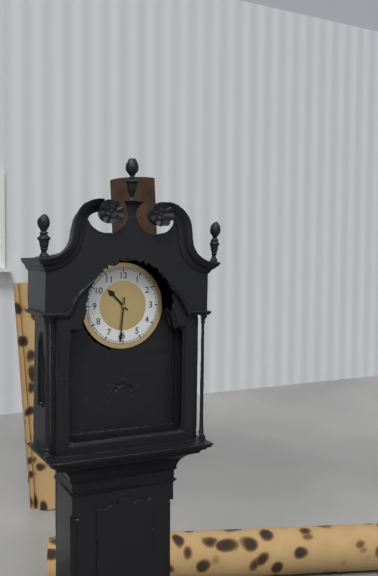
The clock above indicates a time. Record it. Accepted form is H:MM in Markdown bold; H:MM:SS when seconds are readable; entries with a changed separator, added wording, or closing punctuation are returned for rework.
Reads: **10:31**
